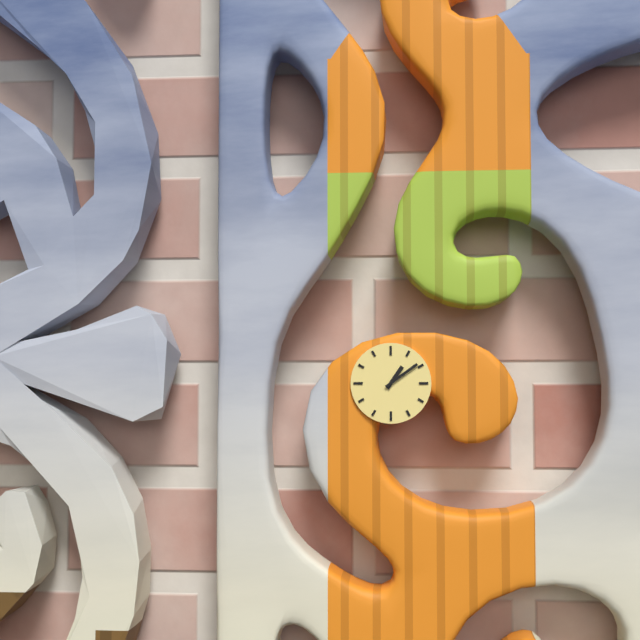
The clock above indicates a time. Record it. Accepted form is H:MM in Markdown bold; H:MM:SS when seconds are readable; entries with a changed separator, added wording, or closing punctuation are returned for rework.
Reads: **1:09**
